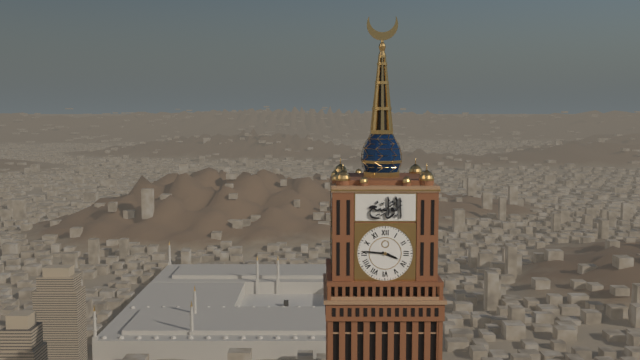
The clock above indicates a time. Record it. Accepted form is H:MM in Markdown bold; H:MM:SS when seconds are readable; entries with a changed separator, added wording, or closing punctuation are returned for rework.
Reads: **3:46**
